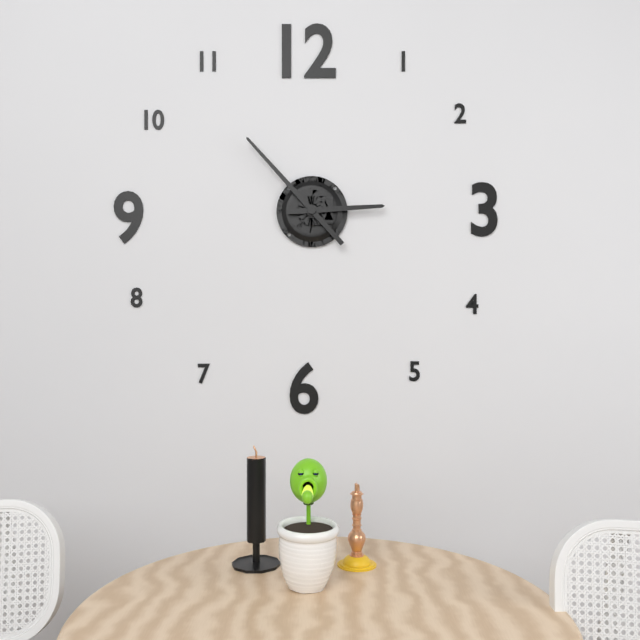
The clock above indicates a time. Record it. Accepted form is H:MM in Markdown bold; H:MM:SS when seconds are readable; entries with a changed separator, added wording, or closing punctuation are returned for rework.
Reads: **2:53**
